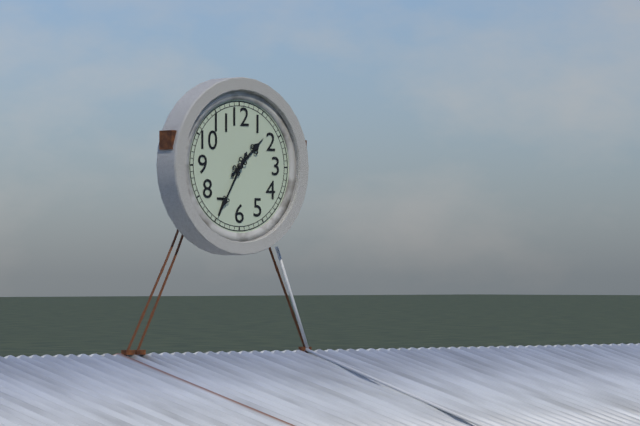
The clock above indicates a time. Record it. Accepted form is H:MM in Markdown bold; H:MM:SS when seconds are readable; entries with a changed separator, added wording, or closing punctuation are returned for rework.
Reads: **1:35**
